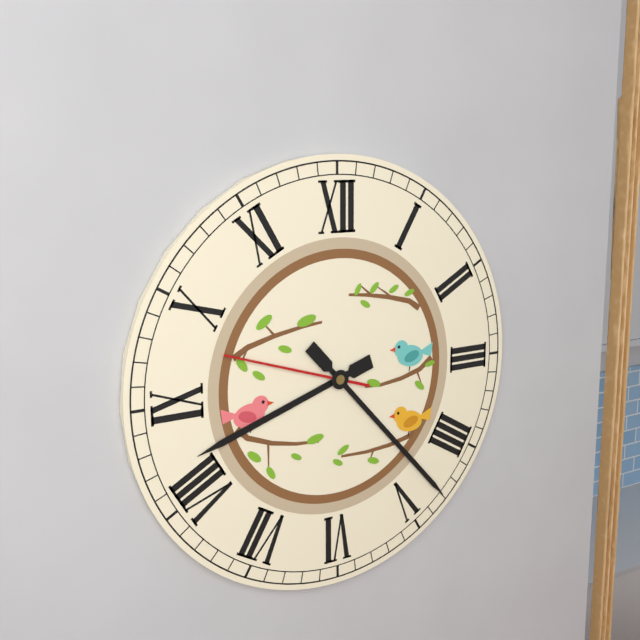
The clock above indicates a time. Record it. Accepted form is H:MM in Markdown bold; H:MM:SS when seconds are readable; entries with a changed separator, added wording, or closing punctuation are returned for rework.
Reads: **8:23:48**
